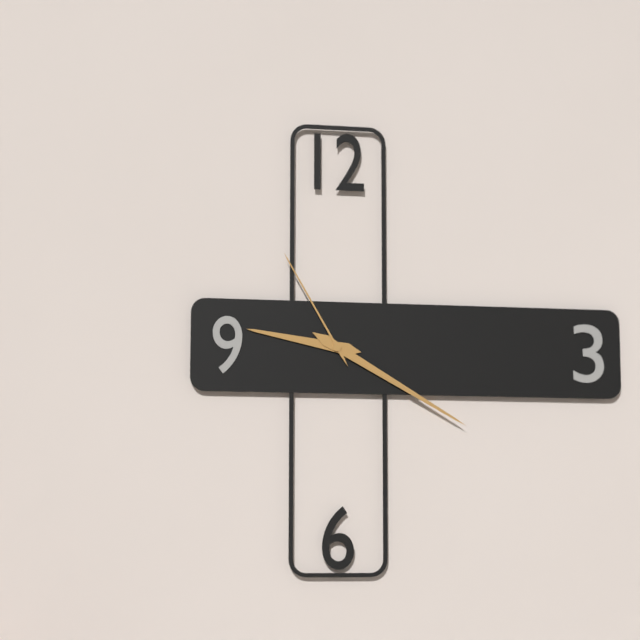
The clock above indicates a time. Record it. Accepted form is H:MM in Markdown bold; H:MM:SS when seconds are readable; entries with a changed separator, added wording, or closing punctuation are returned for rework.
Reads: **9:20:55**
